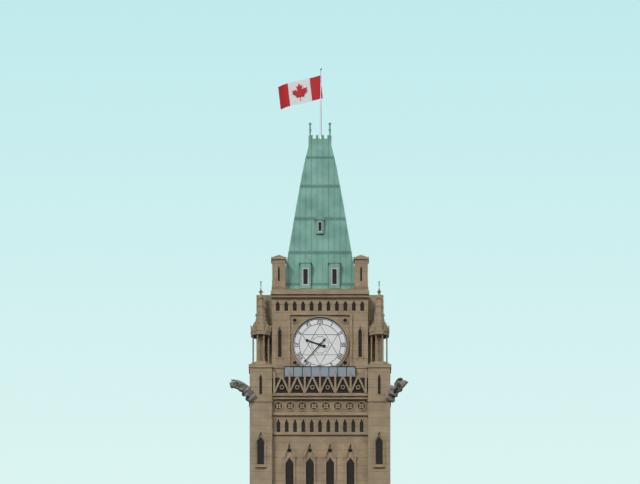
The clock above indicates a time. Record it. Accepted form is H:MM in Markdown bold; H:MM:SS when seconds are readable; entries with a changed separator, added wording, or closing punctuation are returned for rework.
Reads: **9:37**
